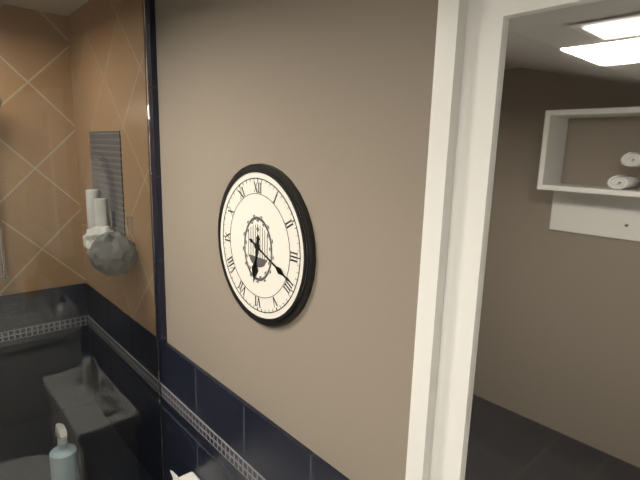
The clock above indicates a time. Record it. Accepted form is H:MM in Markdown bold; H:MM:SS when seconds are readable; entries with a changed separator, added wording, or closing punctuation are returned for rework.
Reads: **6:19**
